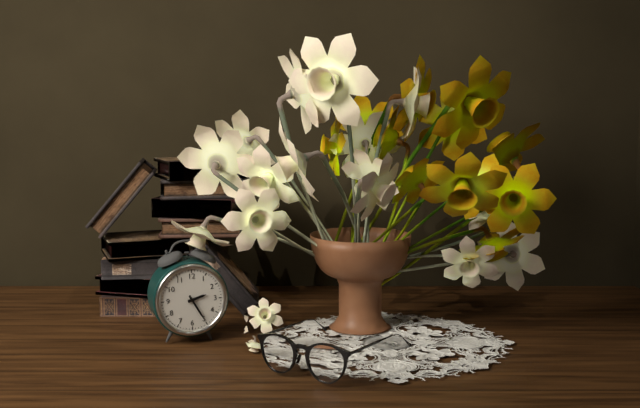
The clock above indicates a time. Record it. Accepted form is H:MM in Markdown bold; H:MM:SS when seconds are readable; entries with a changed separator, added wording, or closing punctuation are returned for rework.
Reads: **2:25**
